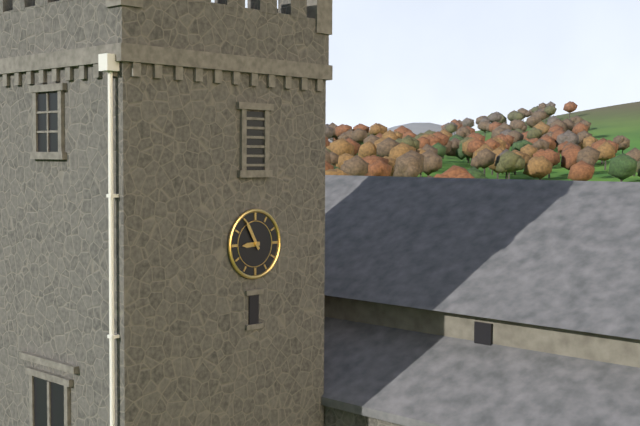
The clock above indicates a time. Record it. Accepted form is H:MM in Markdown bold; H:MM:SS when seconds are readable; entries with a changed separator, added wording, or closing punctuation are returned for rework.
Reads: **8:55**
